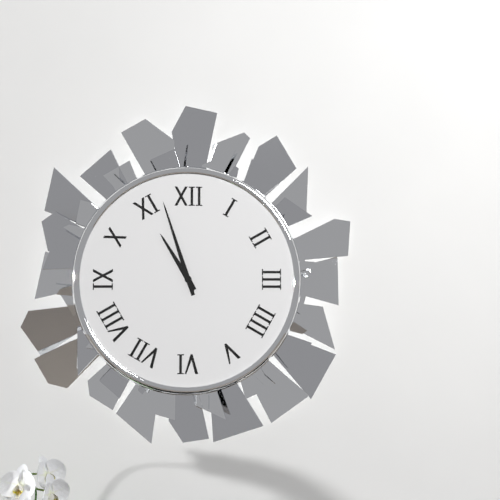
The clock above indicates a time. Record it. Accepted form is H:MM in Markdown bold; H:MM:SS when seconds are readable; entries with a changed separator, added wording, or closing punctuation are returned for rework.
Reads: **10:57**
